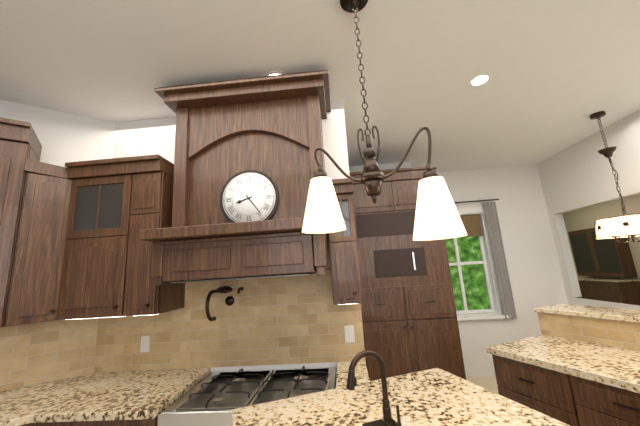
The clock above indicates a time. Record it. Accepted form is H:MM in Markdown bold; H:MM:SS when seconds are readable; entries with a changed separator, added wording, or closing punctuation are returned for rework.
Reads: **8:24**
